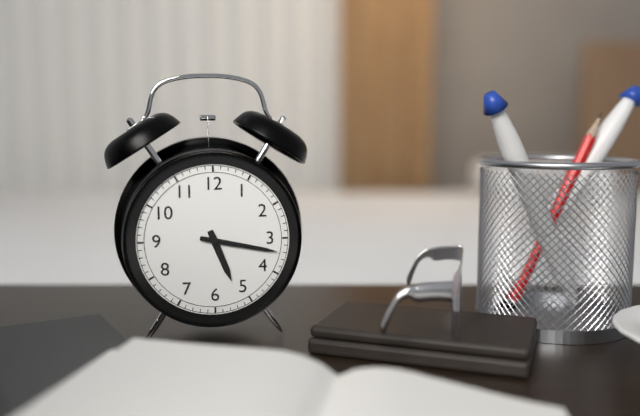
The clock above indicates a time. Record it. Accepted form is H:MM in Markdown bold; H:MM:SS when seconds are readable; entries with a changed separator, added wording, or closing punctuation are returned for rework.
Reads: **5:17:17**
